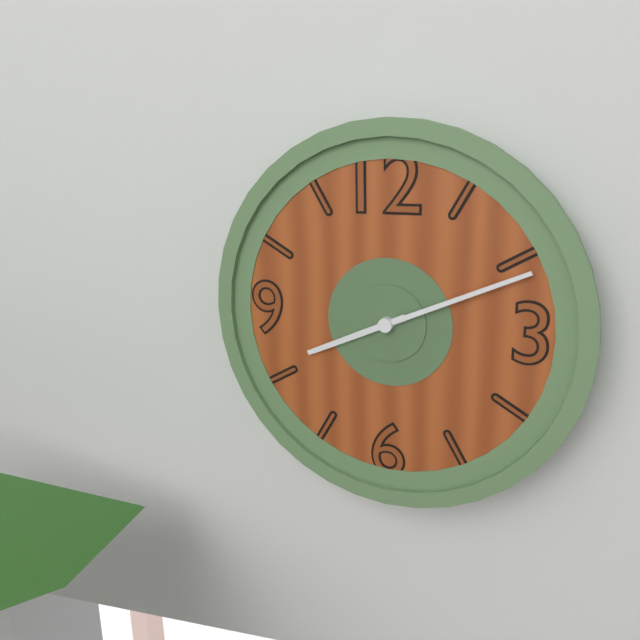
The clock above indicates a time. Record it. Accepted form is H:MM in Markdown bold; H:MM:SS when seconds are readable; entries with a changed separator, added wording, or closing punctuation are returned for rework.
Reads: **8:11**
